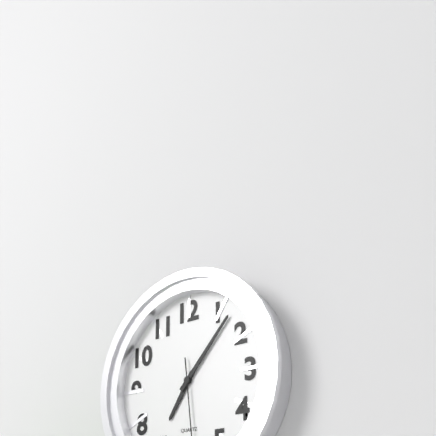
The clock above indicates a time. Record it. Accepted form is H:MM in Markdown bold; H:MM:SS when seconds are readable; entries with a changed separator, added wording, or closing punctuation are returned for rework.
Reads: **7:07**
